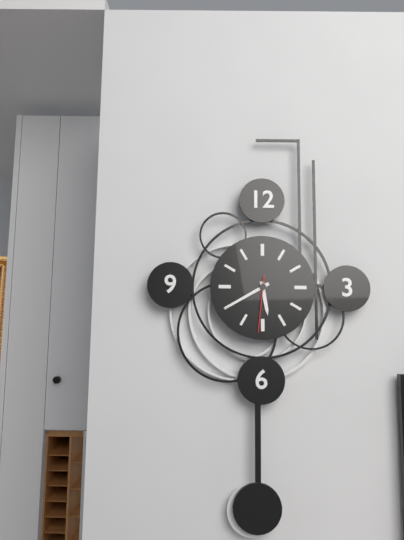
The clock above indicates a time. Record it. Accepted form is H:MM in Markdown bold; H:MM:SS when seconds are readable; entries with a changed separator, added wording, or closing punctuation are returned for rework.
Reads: **5:40:31**
